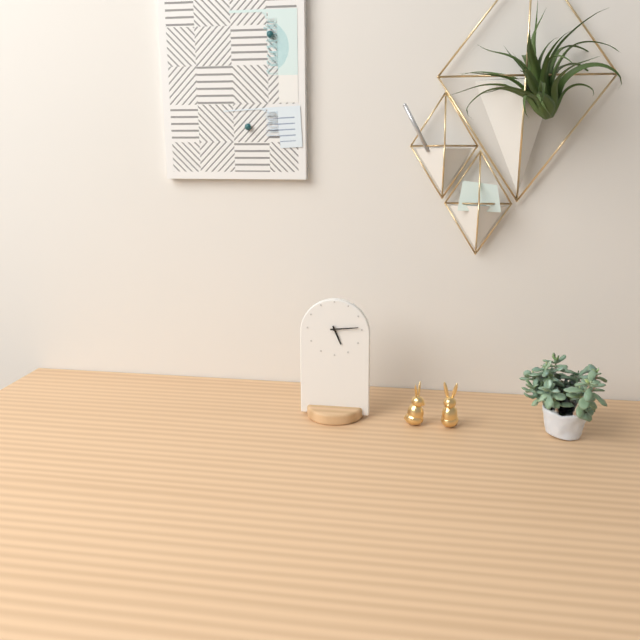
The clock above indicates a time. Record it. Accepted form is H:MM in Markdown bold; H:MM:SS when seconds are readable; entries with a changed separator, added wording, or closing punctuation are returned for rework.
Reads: **5:14**
